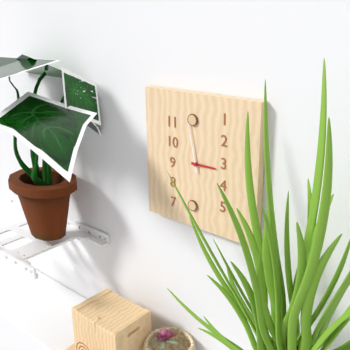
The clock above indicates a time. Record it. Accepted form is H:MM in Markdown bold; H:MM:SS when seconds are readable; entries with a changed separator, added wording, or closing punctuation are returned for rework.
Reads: **2:58**
